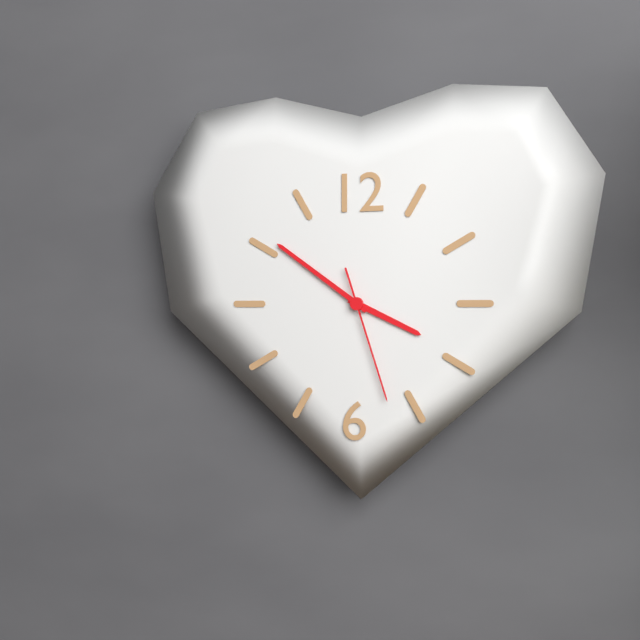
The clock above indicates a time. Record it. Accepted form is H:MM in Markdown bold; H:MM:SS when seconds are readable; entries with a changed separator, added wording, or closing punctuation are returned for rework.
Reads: **3:51:27**
